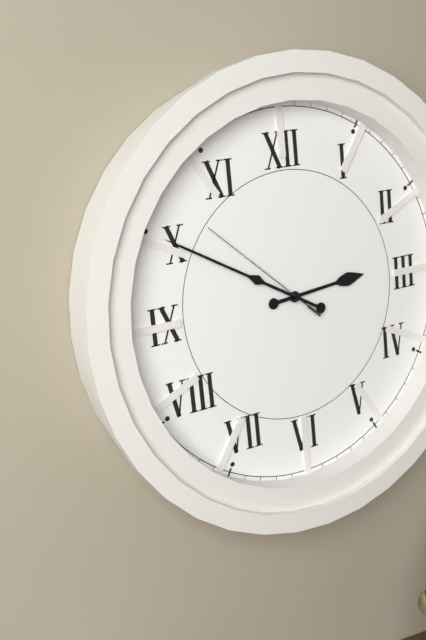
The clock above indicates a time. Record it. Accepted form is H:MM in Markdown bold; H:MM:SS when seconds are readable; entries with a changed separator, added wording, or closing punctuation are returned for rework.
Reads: **2:50:52**
